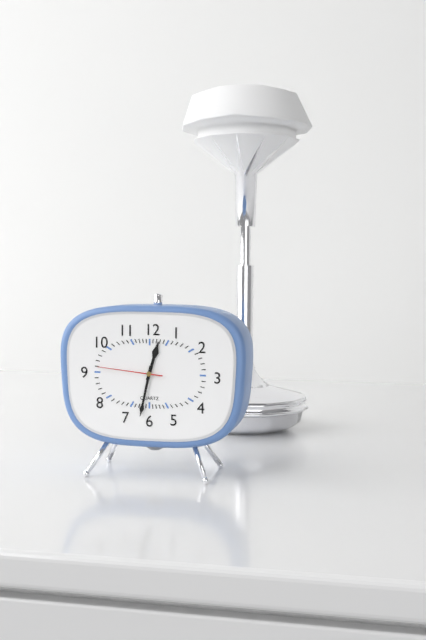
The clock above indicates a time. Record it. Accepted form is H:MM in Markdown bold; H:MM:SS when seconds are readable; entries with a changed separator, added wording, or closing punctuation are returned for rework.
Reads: **12:32:46**
